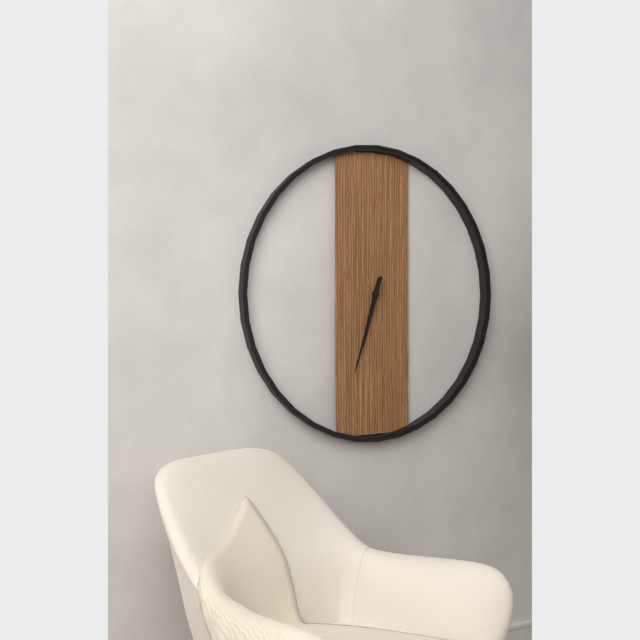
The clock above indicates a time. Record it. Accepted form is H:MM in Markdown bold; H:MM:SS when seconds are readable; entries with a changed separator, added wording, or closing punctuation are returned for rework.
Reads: **6:33**
